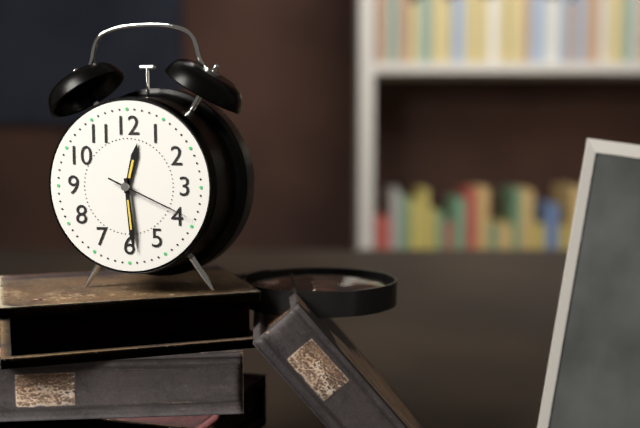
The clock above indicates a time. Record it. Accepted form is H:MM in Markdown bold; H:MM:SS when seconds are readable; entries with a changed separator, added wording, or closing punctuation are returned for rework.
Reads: **12:29:19**
